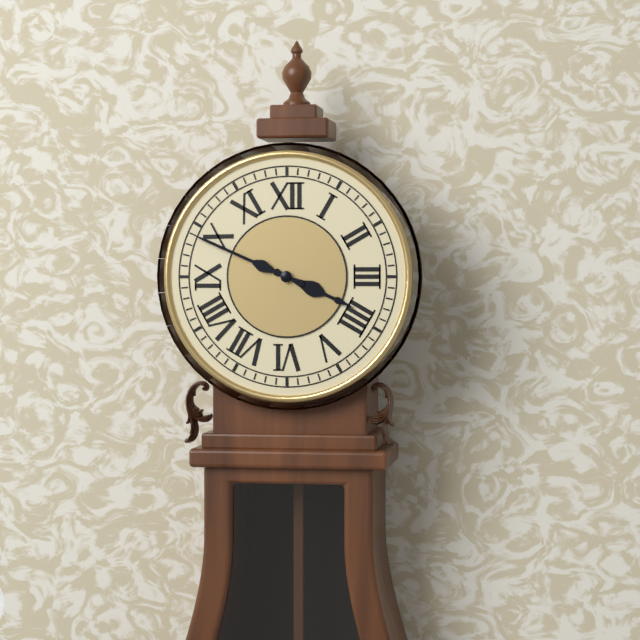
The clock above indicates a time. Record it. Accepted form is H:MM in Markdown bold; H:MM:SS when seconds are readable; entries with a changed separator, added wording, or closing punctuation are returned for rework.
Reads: **3:49**
